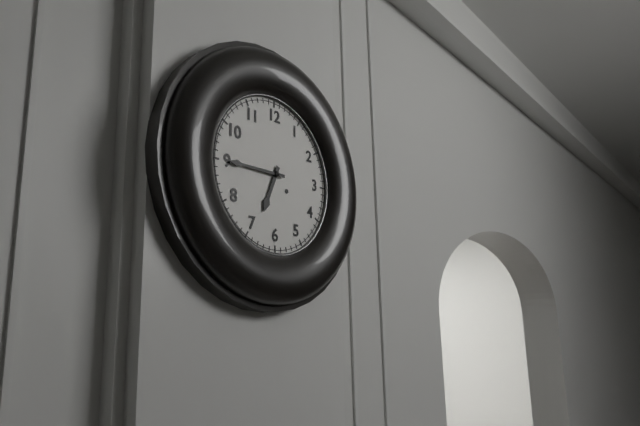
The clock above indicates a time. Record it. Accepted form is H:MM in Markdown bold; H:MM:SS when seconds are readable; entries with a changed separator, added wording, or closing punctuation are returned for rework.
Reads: **6:45**
